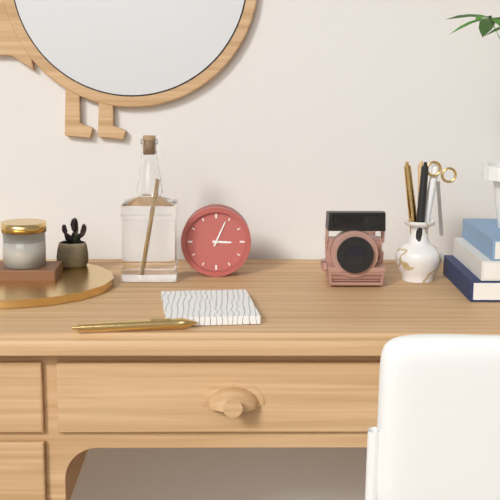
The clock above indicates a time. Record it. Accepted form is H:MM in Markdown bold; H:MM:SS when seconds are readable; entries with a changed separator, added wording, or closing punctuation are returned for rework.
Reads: **3:04**
